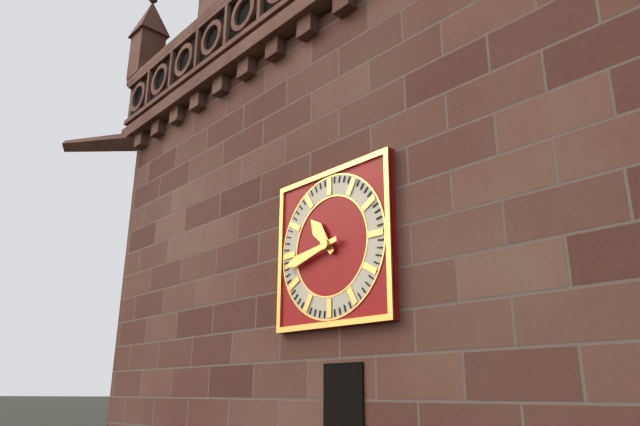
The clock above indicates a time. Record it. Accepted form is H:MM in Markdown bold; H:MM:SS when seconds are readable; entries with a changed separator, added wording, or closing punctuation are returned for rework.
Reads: **10:43**
